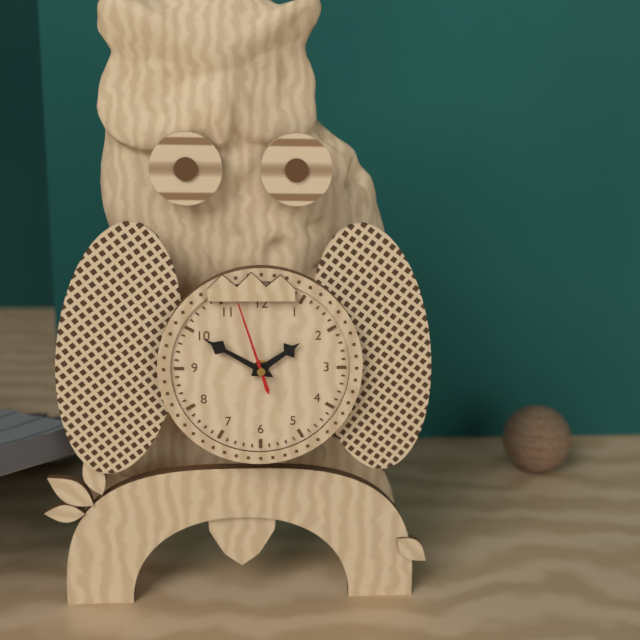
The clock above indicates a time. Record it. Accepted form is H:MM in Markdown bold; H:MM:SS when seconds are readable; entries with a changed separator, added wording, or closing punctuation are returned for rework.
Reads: **1:50:57**
